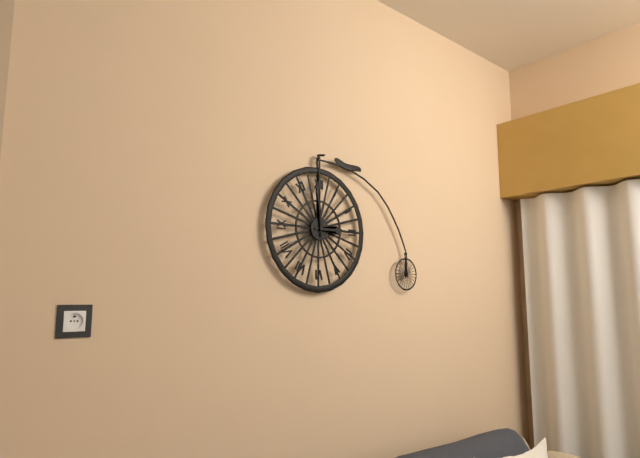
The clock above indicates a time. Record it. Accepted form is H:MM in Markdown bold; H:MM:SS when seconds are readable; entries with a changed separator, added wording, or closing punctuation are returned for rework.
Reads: **2:59**
